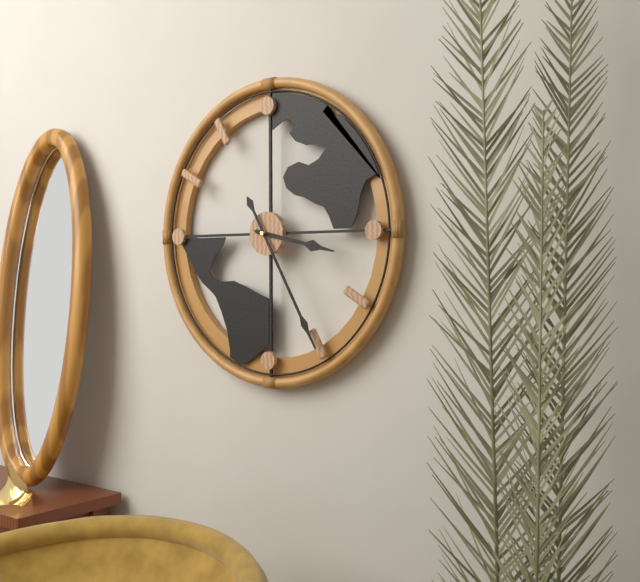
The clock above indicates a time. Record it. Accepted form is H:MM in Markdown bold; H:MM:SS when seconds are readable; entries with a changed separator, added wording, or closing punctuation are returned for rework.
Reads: **3:25**
